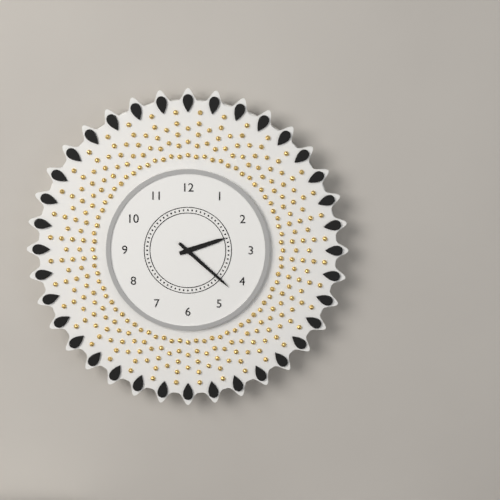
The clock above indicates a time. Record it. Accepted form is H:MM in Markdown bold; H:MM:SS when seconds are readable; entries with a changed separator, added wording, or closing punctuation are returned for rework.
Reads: **2:22**
